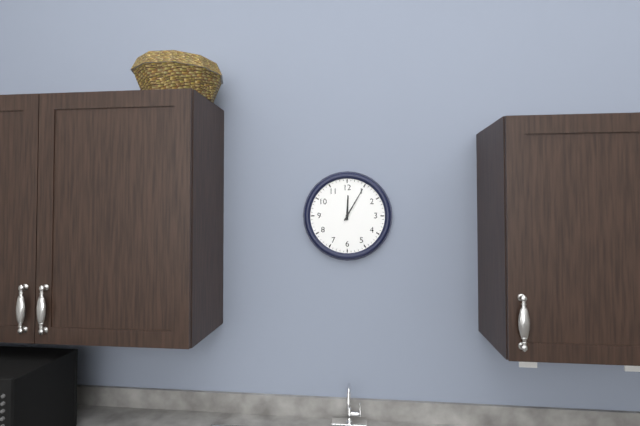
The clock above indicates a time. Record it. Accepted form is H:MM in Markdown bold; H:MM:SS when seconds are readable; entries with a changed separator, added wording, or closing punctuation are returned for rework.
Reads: **12:05**
